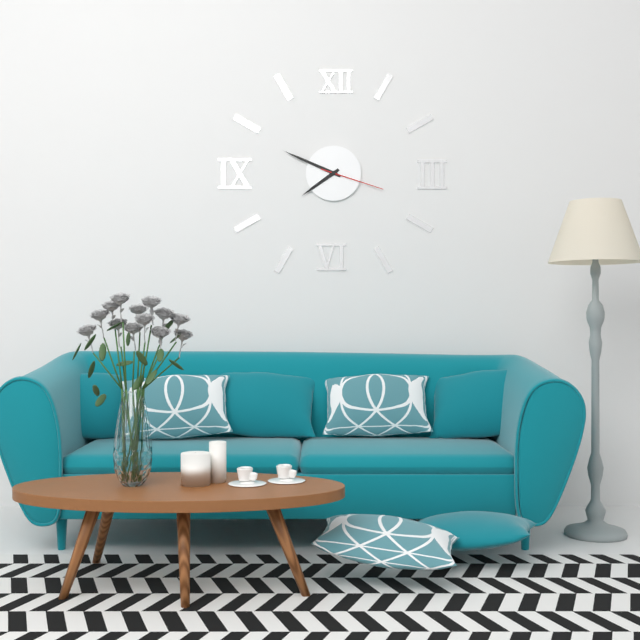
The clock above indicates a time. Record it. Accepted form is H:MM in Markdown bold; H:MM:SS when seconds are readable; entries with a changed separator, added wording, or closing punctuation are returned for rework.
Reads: **7:49:18**
